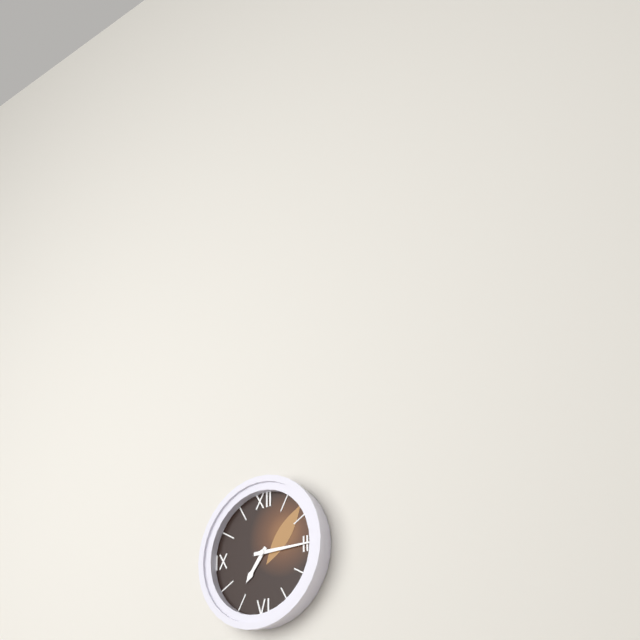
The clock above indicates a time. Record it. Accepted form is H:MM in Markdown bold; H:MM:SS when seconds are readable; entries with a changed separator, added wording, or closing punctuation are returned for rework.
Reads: **7:15**
